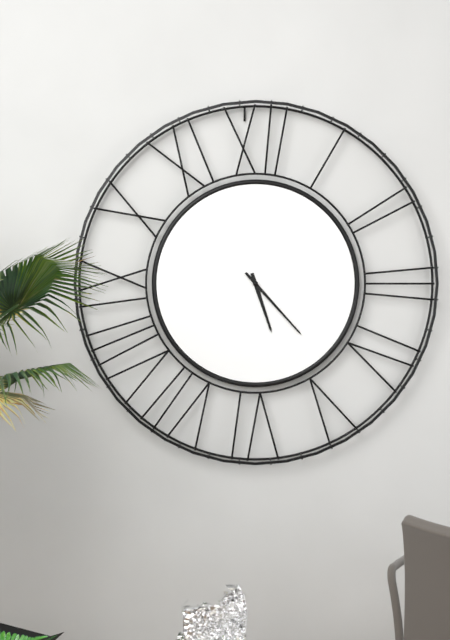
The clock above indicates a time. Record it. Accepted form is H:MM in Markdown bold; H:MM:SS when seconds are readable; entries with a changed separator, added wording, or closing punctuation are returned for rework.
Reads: **5:23**
